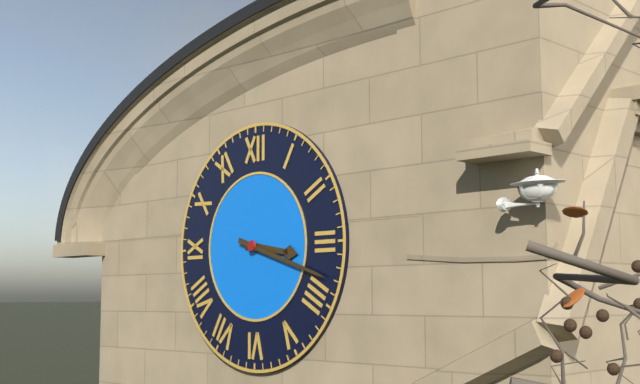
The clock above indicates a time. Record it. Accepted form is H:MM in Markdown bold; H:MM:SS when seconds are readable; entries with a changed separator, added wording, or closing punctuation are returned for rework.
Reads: **3:18**
